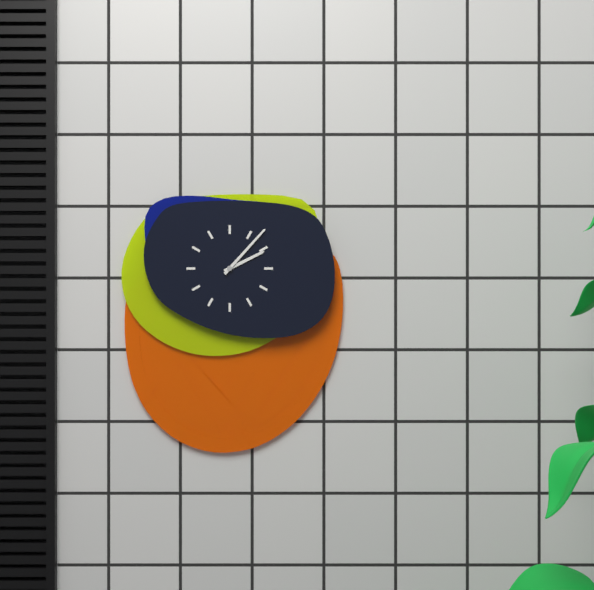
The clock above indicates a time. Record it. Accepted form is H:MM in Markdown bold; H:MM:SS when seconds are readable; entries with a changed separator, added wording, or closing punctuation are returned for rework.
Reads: **2:07**
